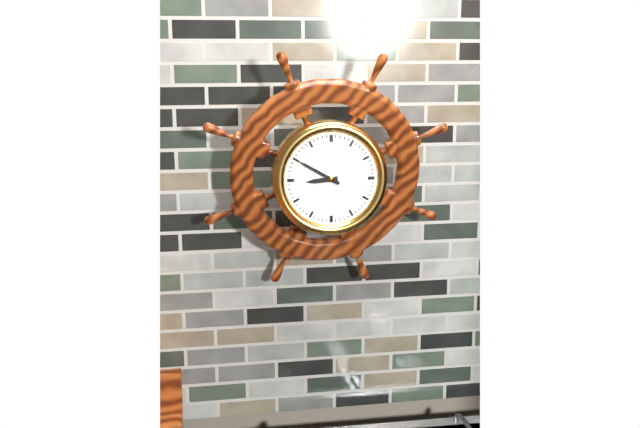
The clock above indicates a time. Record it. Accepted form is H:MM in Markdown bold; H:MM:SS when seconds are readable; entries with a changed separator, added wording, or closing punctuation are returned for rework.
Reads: **8:50**
